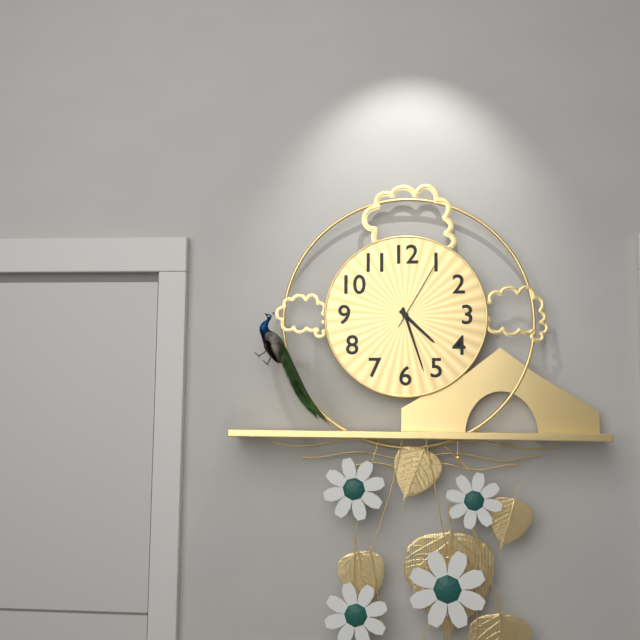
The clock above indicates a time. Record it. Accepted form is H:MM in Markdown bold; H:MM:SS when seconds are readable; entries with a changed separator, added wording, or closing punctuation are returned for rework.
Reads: **4:27:05**
